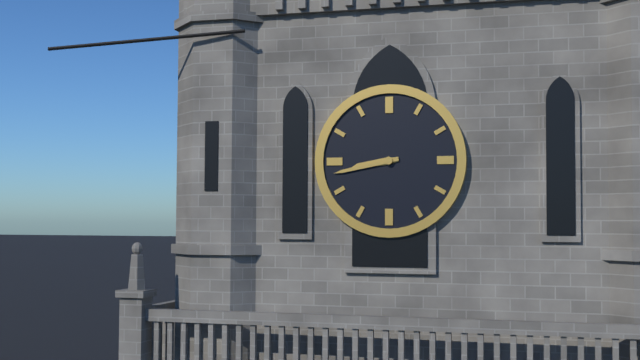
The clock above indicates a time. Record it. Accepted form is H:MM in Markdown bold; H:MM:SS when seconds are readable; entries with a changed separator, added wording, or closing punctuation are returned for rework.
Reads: **8:43**
